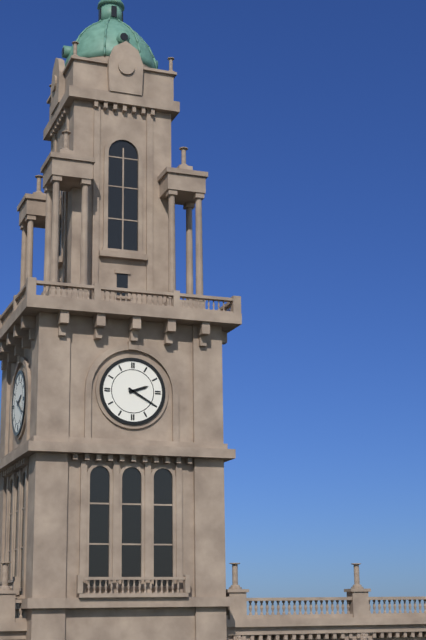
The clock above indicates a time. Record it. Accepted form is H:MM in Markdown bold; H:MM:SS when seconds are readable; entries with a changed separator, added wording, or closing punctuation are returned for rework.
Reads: **2:20**
